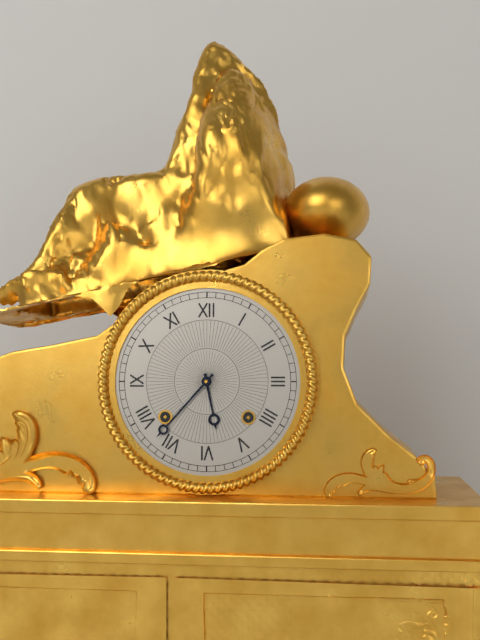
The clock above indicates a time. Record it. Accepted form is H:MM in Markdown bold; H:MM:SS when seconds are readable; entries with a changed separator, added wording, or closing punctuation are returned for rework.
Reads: **5:37**
